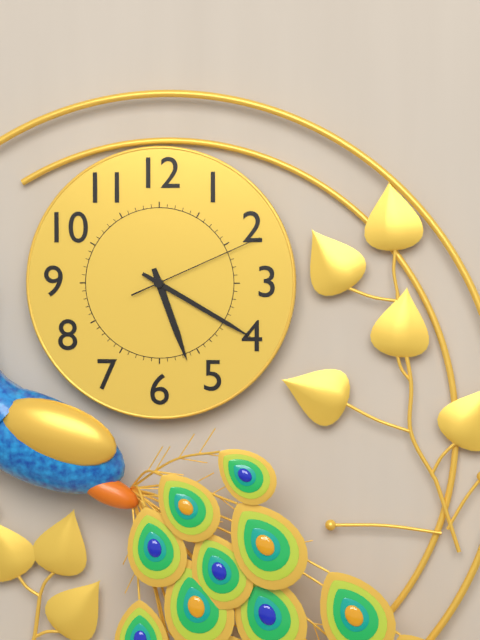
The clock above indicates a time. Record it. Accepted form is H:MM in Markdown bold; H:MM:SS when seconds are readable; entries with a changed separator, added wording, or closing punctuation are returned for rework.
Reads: **5:20:11**
